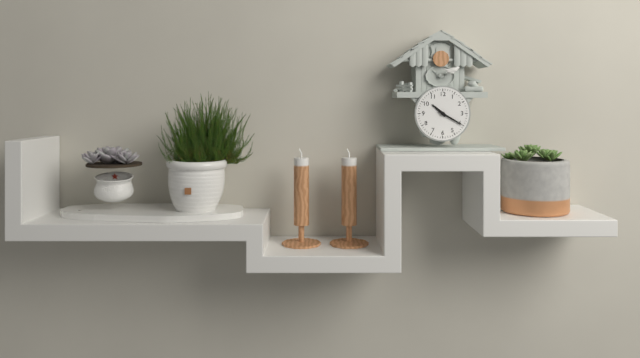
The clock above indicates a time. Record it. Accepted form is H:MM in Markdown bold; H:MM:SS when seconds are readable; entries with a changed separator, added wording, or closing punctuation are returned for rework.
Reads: **10:20**
